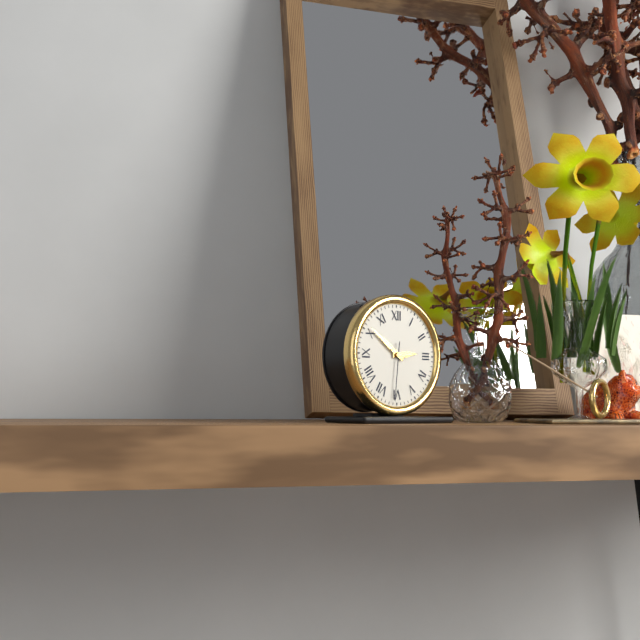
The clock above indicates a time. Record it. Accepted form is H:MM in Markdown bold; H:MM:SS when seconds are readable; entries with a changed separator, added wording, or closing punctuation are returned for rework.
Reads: **2:51:31**
